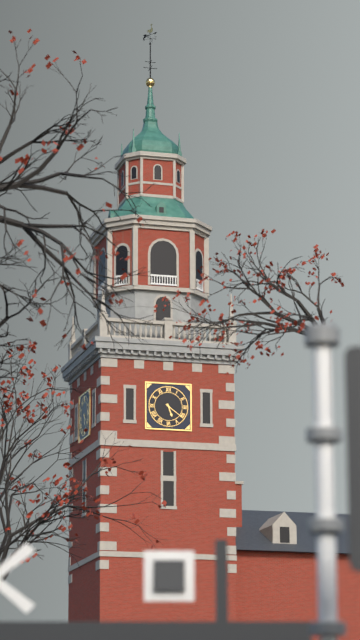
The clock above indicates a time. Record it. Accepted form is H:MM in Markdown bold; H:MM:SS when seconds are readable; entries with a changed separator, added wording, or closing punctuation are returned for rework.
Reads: **5:21**
